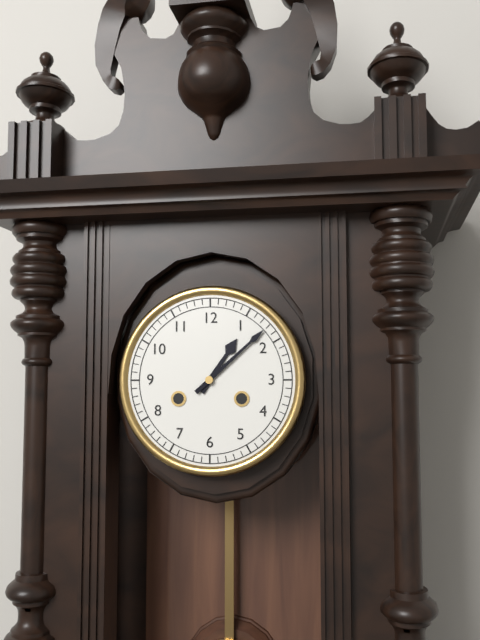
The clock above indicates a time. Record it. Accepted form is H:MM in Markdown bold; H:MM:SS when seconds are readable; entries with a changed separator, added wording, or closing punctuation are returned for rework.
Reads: **1:08**
